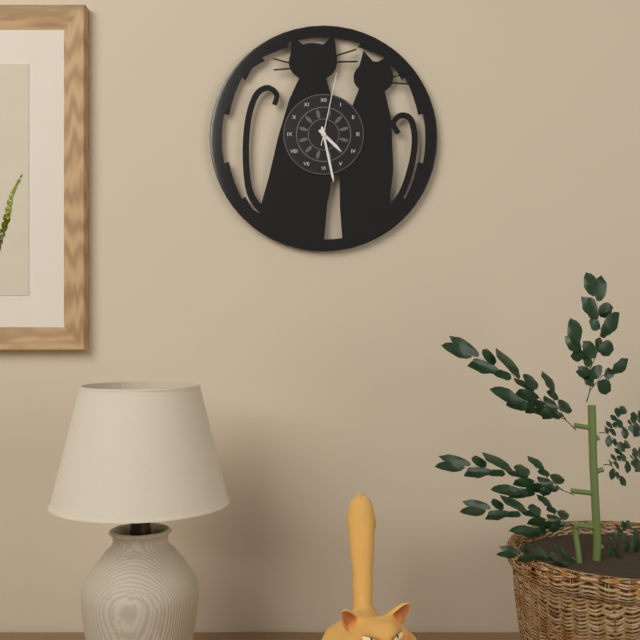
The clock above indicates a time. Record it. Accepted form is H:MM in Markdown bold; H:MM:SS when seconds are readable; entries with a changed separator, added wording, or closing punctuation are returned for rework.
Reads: **4:28:02**
